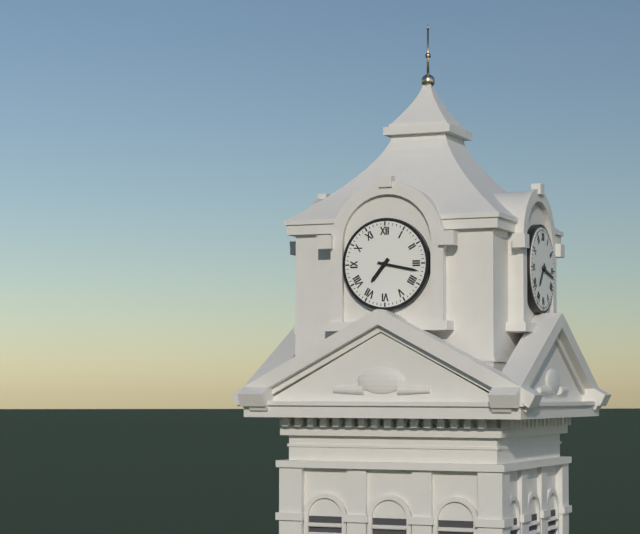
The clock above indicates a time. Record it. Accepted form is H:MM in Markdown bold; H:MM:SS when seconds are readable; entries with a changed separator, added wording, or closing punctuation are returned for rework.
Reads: **7:17**
